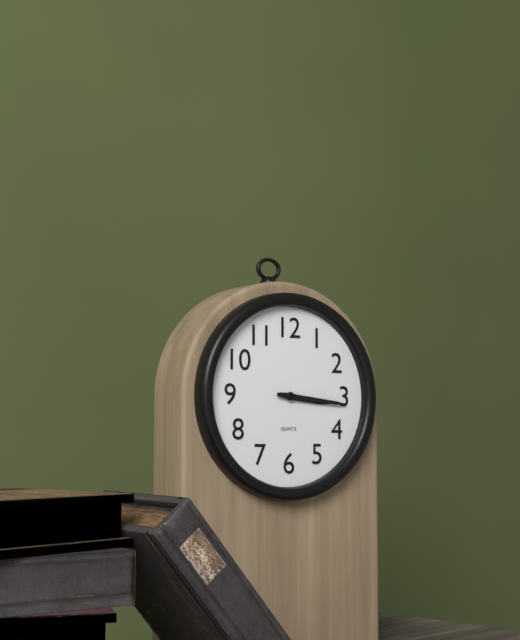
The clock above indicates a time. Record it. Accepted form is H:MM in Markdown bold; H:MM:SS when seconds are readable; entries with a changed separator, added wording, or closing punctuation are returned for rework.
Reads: **3:16**
